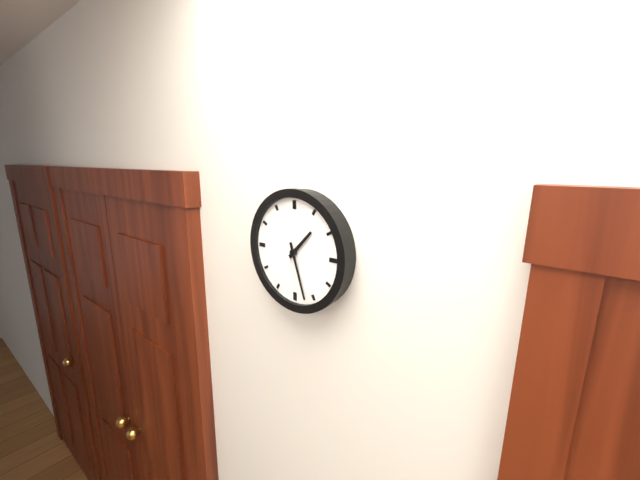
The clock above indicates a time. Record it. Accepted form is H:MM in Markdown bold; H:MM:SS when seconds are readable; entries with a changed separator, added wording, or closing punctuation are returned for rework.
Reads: **1:27**
